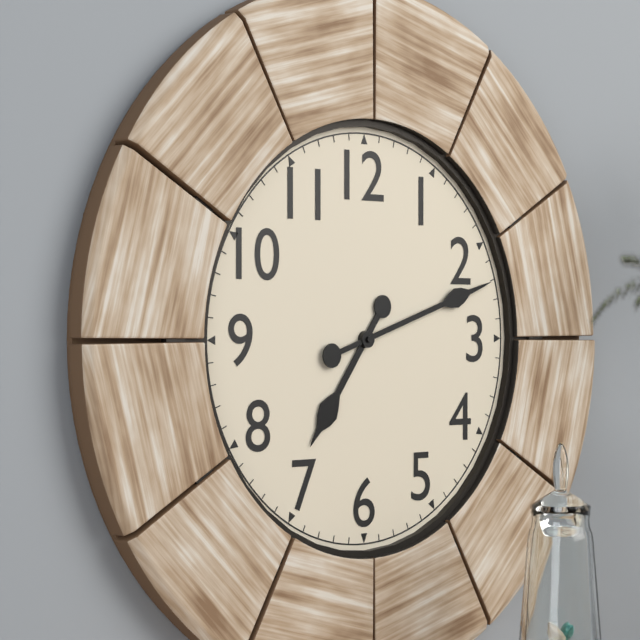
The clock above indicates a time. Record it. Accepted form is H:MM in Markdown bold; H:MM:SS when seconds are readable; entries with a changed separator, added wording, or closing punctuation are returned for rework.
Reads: **7:12**
